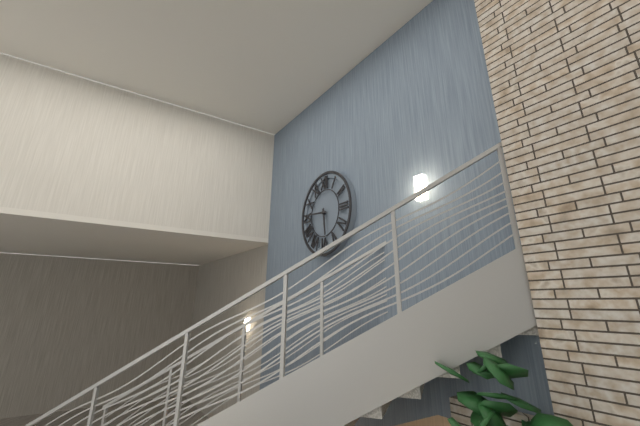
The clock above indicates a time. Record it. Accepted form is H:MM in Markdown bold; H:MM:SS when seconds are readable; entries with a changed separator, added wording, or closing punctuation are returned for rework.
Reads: **5:46**
